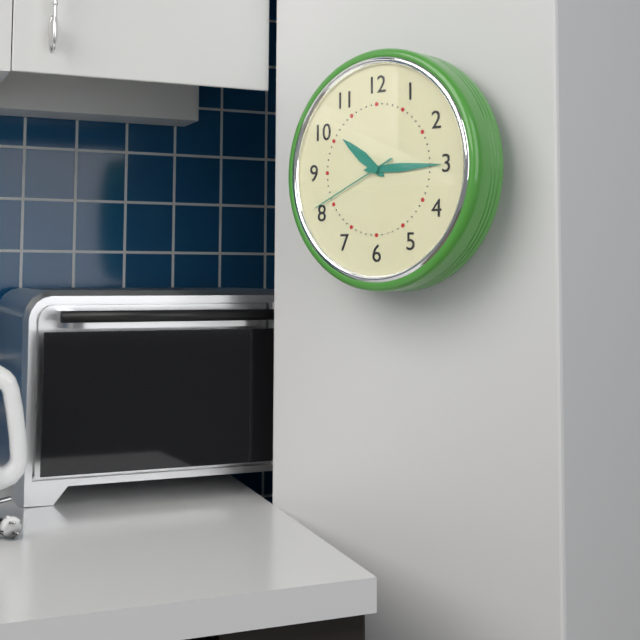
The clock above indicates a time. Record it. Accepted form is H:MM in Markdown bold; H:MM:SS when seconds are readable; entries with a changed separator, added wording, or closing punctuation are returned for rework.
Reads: **10:15:41**
